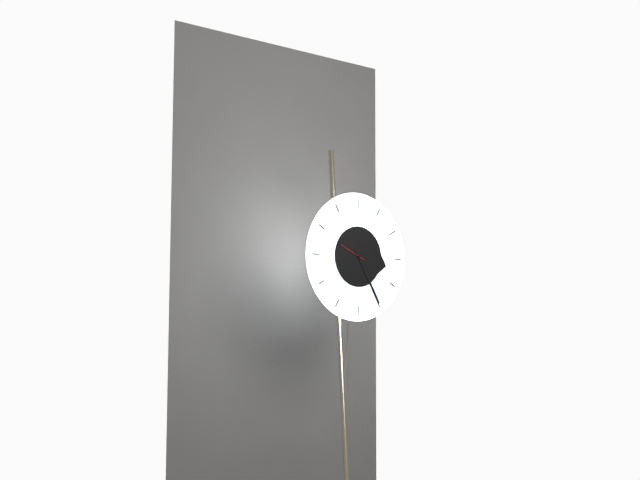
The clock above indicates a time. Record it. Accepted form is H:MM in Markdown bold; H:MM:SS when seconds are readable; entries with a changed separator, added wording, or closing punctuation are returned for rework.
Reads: **3:25**
